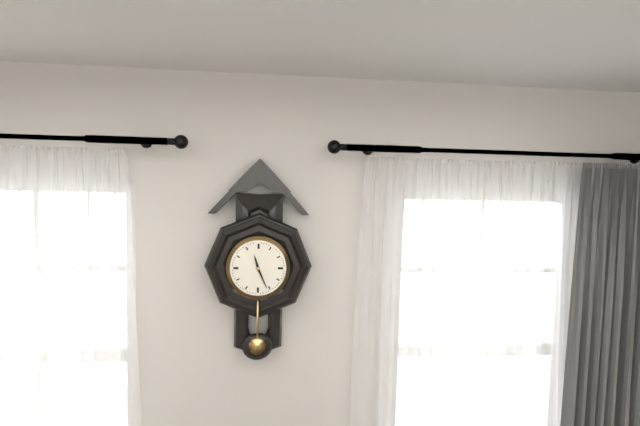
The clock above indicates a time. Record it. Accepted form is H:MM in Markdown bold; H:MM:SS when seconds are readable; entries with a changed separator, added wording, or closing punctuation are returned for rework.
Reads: **11:26**
